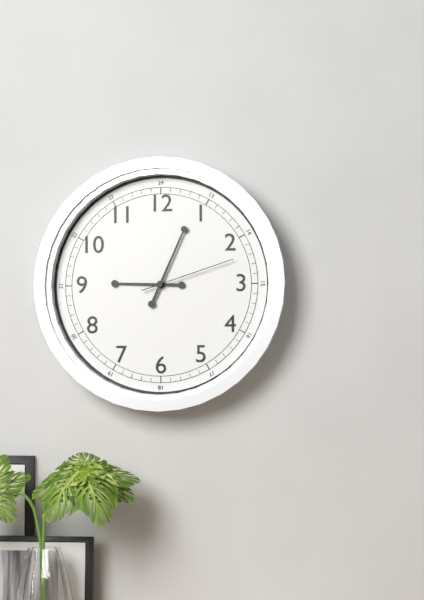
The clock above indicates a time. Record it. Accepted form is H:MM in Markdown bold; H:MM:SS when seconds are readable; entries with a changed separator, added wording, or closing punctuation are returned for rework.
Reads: **9:04:12**
